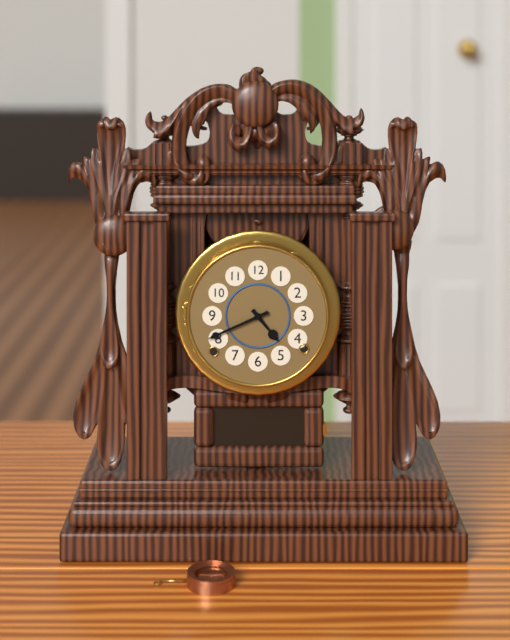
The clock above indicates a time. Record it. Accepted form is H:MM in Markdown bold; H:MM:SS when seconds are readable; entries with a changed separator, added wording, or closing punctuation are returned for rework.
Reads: **4:41**
